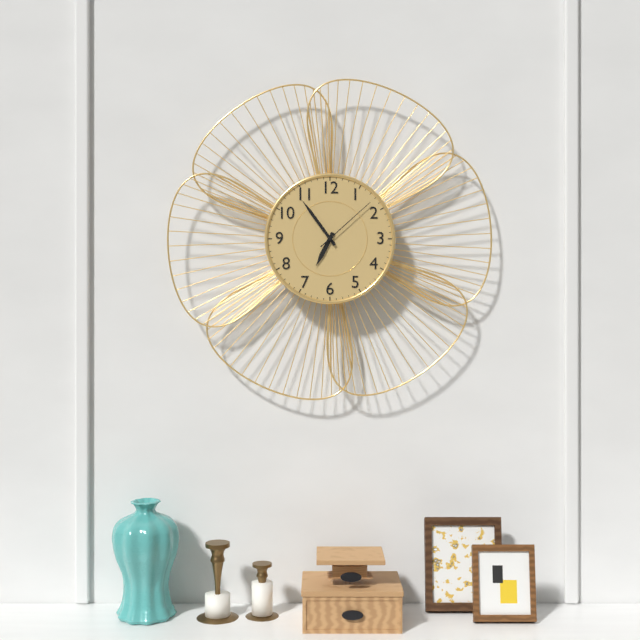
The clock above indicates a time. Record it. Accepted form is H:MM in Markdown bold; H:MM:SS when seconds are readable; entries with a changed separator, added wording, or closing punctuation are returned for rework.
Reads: **6:54:08**
